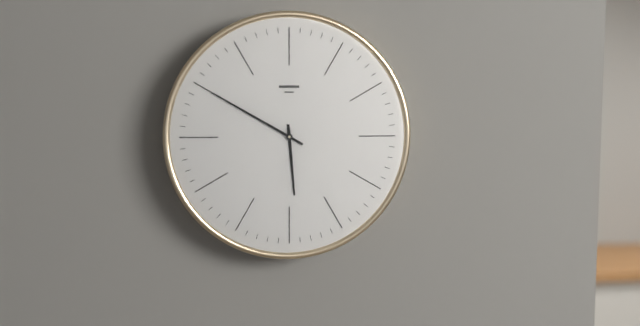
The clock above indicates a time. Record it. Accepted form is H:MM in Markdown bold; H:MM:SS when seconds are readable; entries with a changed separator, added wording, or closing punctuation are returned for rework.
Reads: **5:50**
